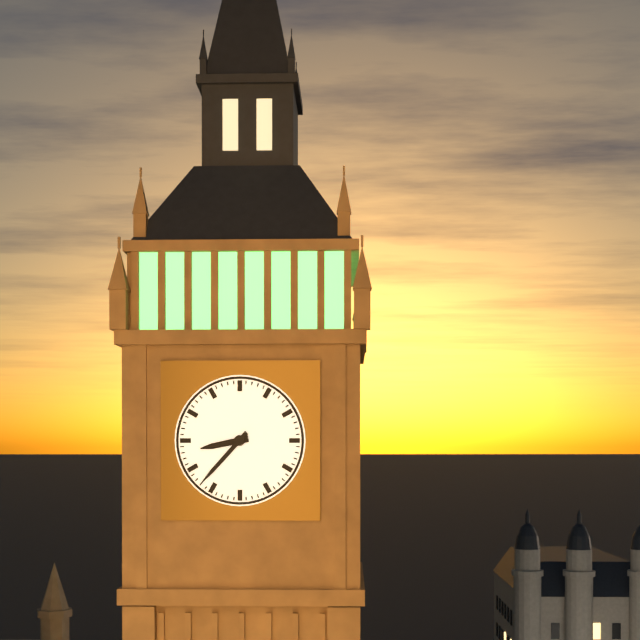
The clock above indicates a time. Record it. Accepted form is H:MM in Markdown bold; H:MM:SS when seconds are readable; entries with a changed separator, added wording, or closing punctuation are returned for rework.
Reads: **8:37**
